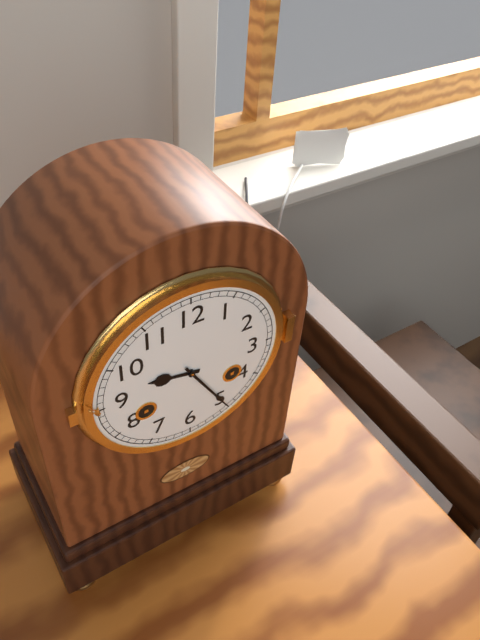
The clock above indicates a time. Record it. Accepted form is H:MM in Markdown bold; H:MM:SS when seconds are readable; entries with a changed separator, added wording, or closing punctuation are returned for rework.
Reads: **9:25**
